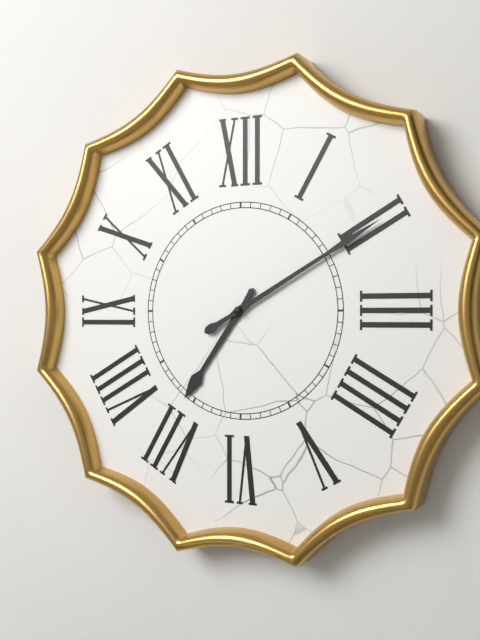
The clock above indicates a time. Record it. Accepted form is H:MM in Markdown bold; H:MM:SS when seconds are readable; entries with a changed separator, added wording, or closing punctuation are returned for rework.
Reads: **7:10**
